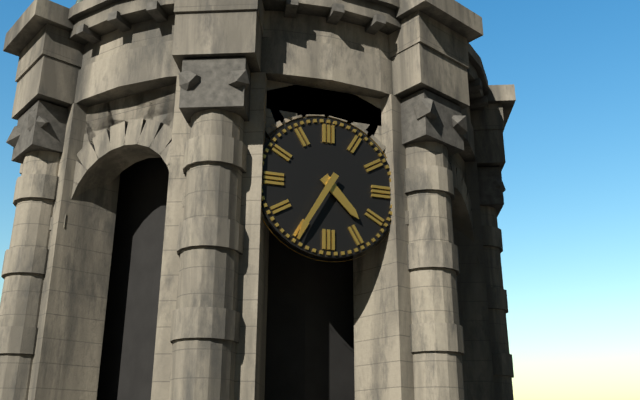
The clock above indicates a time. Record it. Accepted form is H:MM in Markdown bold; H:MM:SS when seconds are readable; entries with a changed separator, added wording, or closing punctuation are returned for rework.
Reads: **4:35**
